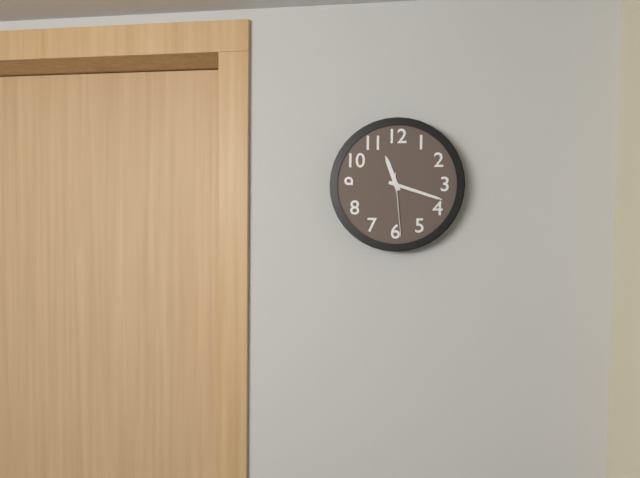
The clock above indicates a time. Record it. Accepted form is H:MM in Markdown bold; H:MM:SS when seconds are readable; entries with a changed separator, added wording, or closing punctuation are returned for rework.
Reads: **11:18:29**
